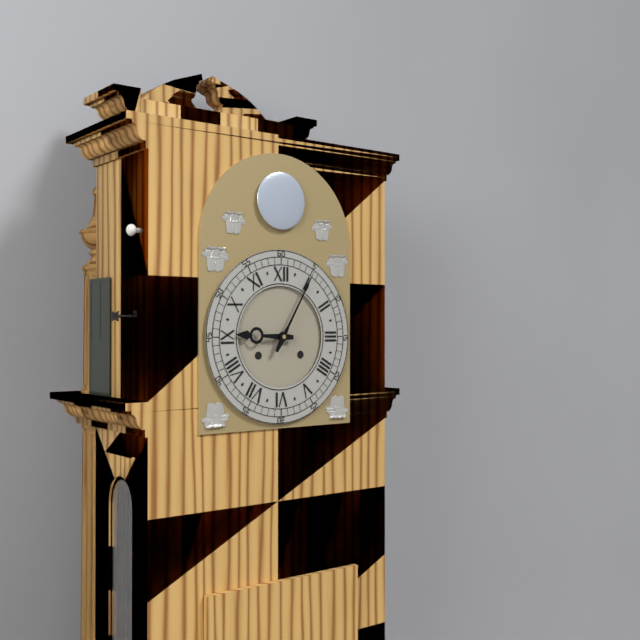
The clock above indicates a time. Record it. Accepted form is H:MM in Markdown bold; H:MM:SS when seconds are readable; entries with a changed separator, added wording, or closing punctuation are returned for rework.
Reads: **9:05**
